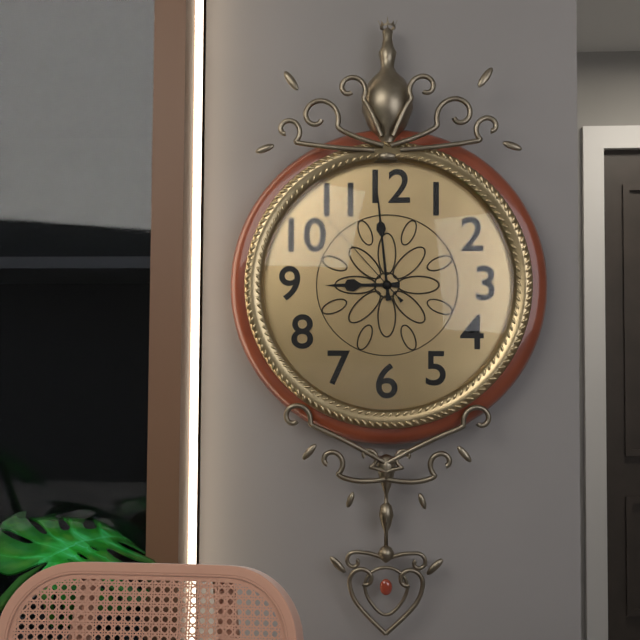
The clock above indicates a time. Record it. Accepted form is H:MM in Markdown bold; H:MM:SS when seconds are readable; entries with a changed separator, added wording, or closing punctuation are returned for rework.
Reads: **8:59:53**
